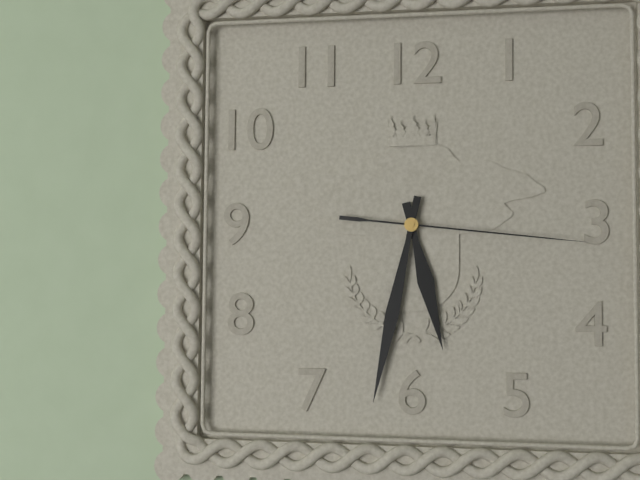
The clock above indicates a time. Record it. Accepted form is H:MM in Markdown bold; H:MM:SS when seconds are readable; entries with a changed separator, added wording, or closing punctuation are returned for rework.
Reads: **5:32:16**
